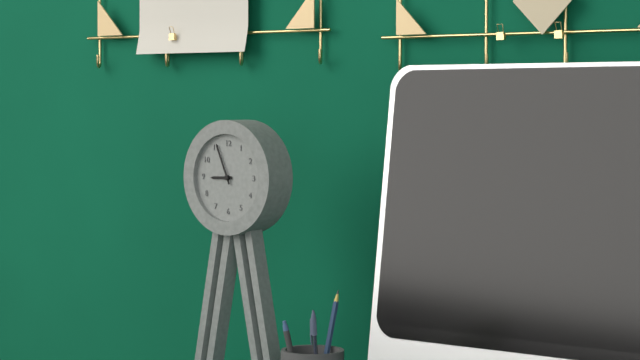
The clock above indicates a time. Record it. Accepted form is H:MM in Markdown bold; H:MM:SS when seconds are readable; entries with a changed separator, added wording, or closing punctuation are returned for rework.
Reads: **8:56**
